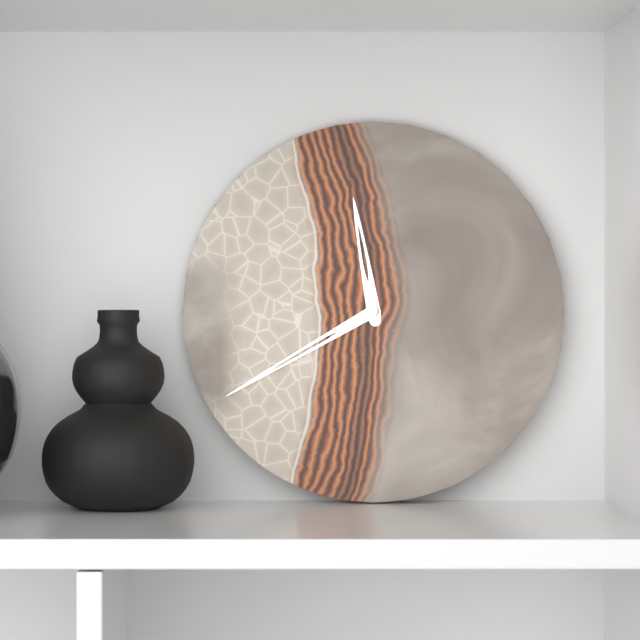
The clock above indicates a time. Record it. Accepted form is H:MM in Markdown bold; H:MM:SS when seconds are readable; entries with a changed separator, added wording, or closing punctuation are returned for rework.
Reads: **11:40**
